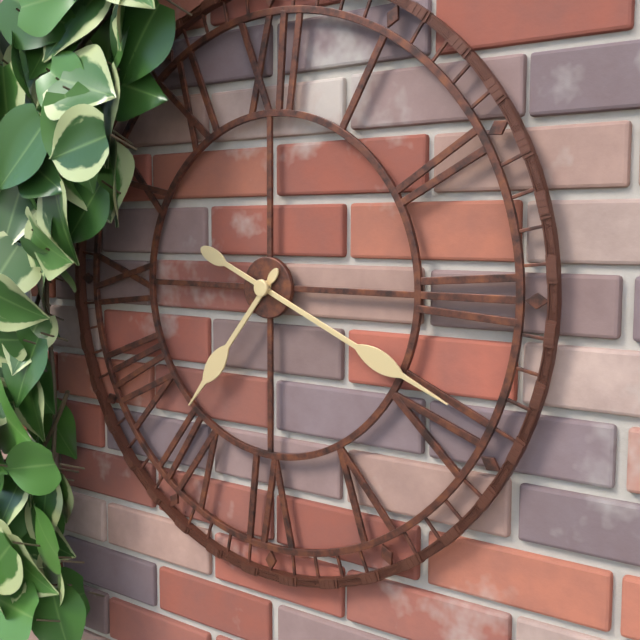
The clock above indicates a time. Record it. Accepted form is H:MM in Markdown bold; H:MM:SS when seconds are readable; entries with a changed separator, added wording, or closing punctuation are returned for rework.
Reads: **7:19**
